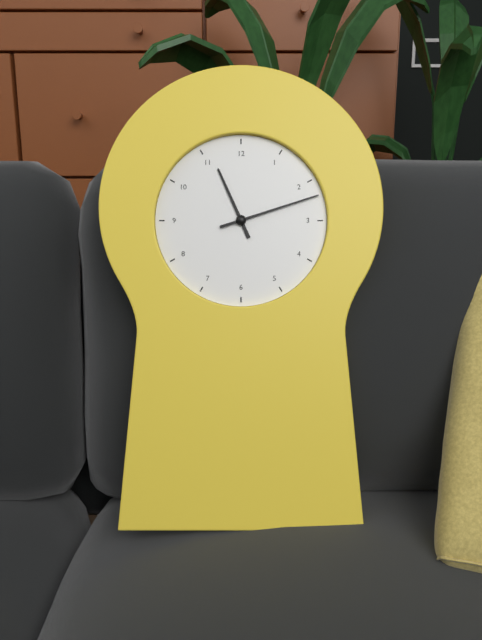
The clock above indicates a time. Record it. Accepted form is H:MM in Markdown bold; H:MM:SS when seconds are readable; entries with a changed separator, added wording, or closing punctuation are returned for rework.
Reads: **11:12**
